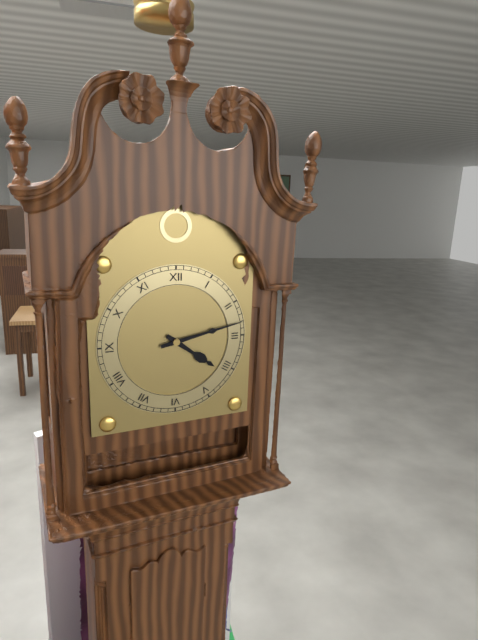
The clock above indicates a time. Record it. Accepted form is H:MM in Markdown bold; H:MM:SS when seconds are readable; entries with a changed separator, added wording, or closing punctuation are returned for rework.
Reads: **4:13**
